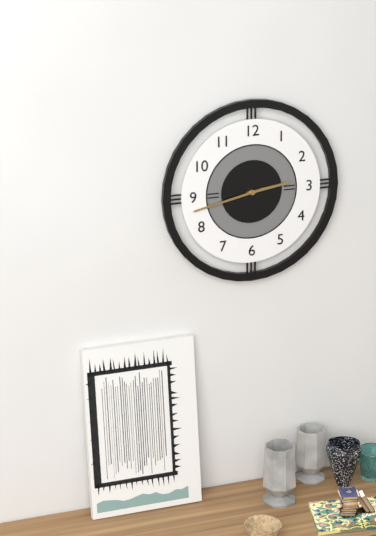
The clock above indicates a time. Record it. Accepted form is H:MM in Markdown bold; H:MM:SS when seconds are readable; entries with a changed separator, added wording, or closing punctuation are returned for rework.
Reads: **2:43**
